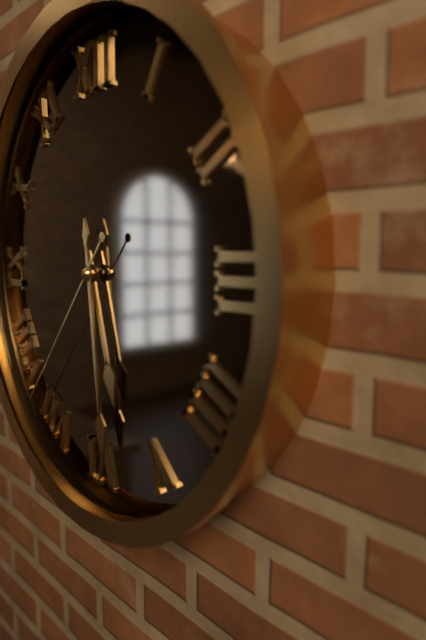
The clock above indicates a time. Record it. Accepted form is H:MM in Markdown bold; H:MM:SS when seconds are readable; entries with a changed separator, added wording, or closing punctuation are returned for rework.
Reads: **5:29:37**
